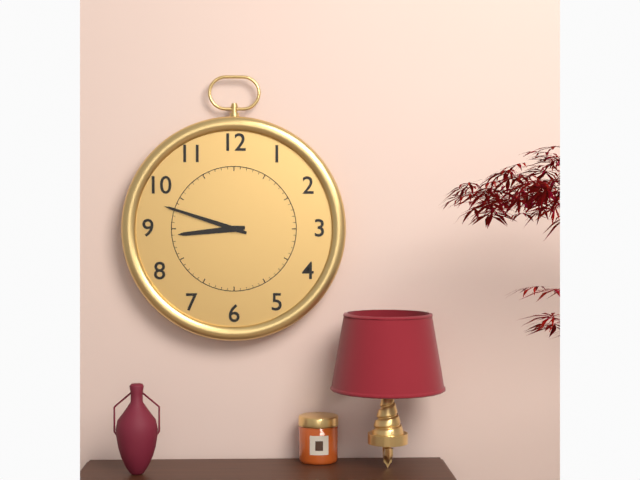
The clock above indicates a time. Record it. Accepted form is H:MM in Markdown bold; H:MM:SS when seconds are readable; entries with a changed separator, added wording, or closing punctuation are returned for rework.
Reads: **8:48**
